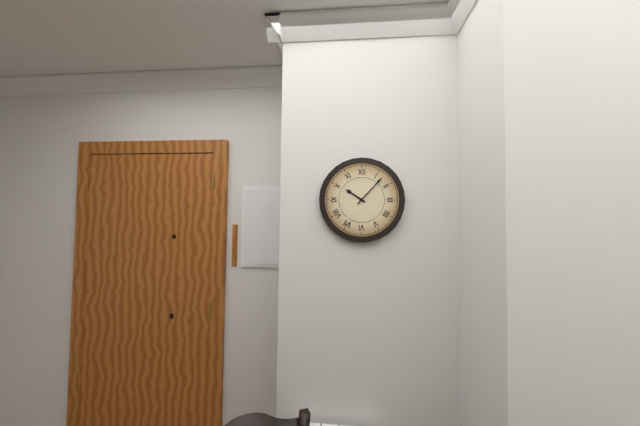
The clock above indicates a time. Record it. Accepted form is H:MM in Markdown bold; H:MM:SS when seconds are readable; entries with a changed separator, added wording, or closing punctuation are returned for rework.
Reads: **10:07**
